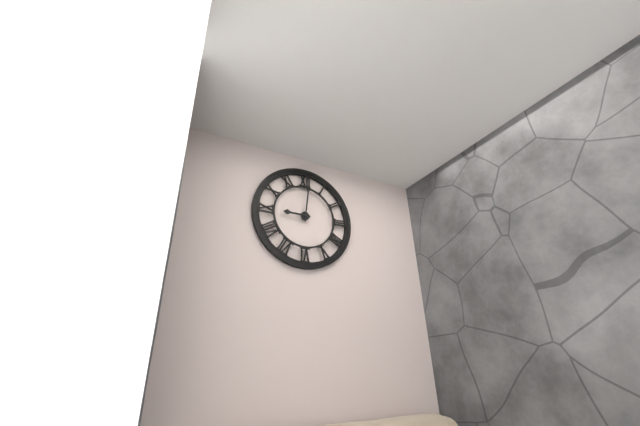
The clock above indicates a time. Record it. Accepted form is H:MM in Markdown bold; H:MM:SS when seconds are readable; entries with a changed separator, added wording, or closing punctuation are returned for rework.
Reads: **9:01**
